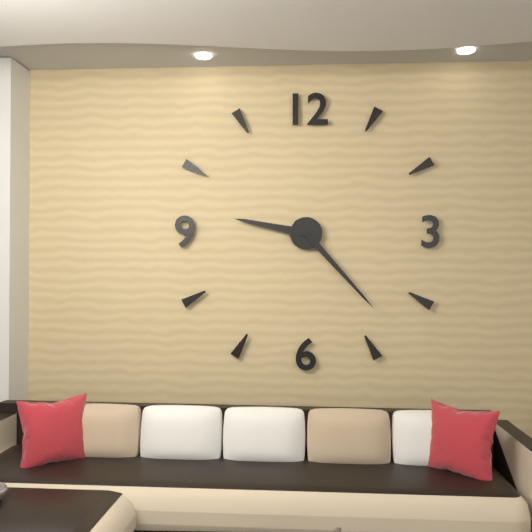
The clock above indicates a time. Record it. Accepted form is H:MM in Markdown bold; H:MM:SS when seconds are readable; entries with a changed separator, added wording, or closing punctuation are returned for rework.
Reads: **9:23**
